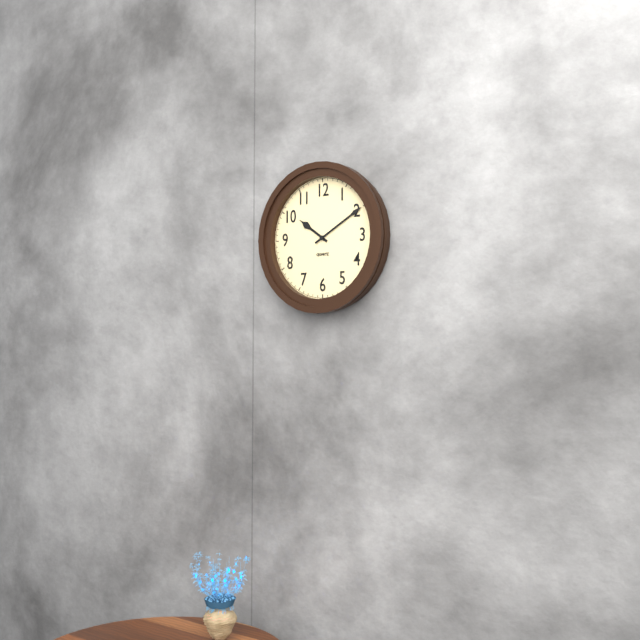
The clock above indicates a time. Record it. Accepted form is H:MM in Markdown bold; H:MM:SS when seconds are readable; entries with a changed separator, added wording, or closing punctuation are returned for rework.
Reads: **10:10**
